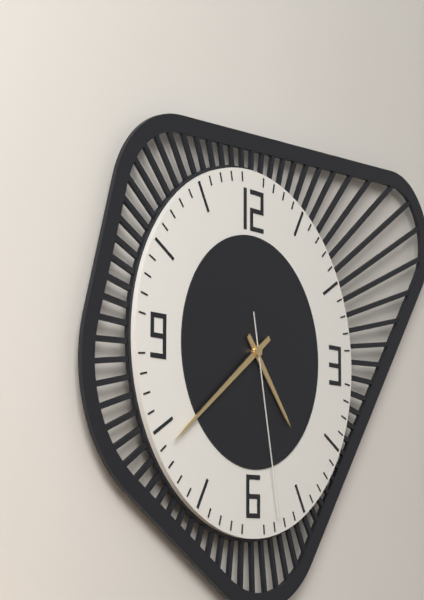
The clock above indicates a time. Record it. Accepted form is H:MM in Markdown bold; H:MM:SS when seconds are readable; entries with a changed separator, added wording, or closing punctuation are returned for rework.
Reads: **4:39:28**
